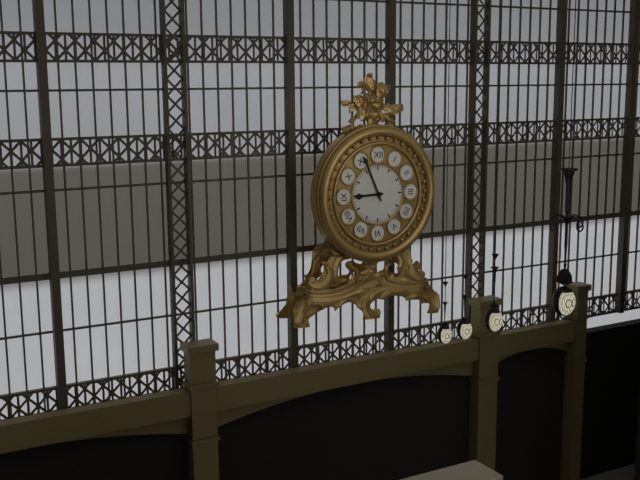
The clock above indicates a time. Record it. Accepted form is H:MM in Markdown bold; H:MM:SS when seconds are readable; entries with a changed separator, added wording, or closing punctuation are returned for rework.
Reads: **8:56**
